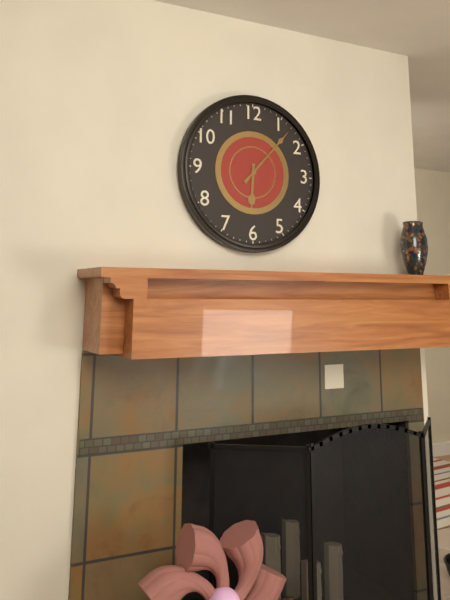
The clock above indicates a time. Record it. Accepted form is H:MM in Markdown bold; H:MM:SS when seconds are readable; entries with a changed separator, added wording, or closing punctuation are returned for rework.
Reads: **6:07**
